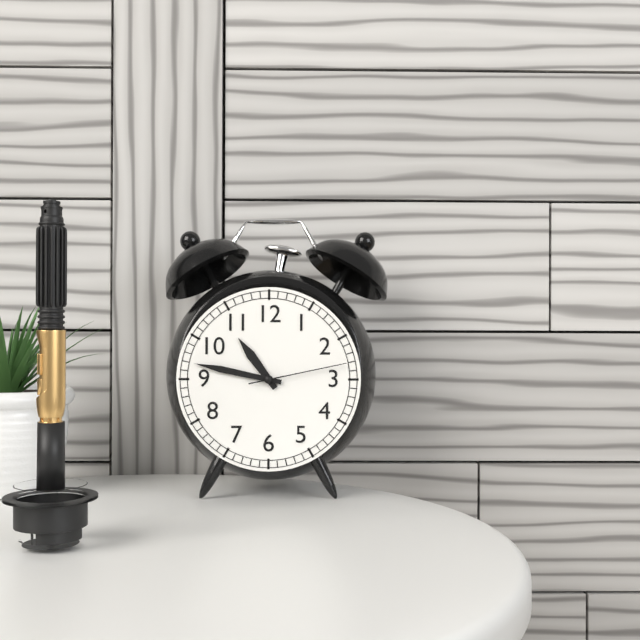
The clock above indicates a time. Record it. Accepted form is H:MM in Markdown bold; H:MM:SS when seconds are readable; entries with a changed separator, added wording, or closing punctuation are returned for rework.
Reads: **10:47:13**
